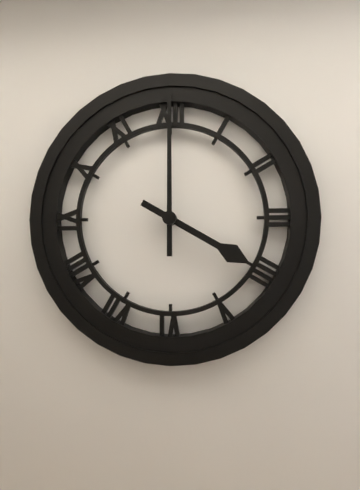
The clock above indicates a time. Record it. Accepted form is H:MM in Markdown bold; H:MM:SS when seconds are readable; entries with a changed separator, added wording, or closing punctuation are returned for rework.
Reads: **4:00**
